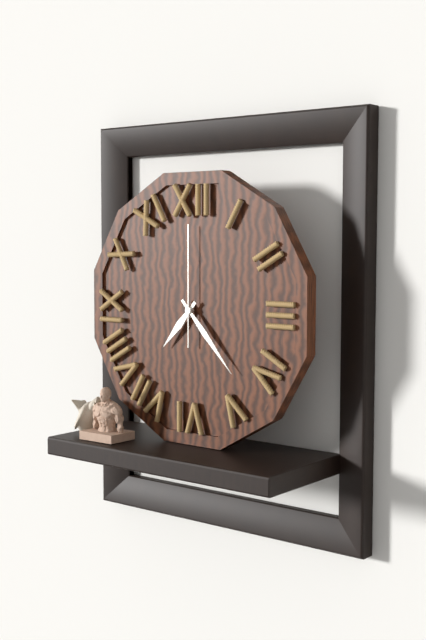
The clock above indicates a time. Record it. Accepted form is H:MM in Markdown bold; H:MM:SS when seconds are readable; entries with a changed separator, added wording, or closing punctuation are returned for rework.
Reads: **7:23:00**
